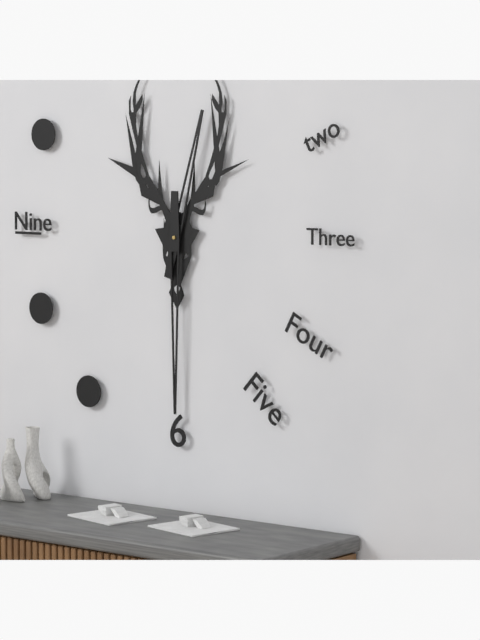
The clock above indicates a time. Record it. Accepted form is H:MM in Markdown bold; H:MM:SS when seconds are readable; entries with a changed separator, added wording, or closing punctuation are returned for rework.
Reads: **12:30**
